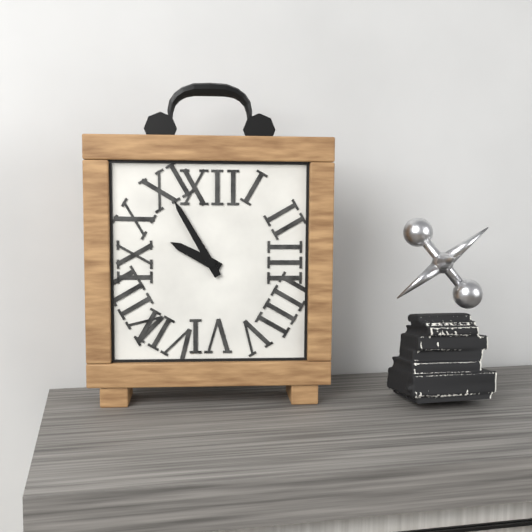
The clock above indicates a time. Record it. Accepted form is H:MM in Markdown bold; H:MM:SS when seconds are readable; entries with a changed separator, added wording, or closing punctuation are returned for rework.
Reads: **9:55**
